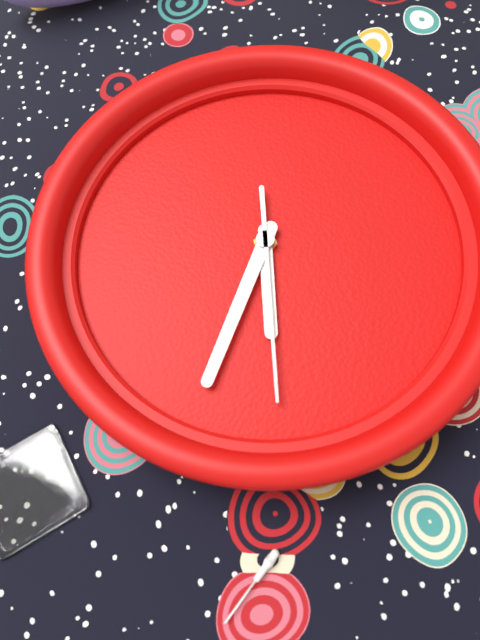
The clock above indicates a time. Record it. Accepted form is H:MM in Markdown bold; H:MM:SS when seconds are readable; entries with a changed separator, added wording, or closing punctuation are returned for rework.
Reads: **6:37:33**
